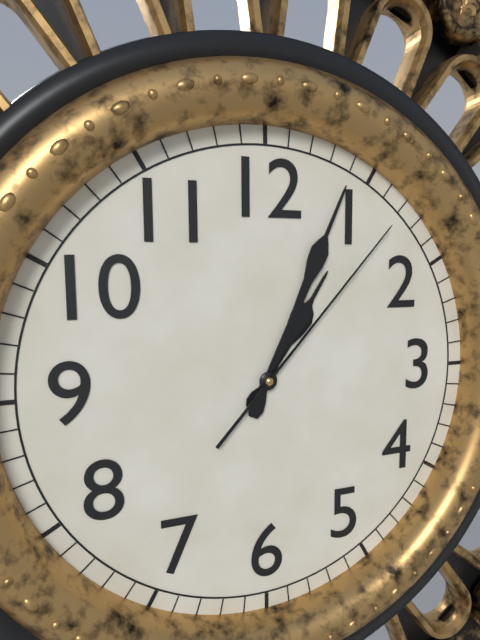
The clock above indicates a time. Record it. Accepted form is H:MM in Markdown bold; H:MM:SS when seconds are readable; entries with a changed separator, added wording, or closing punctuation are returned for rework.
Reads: **1:04:07**
